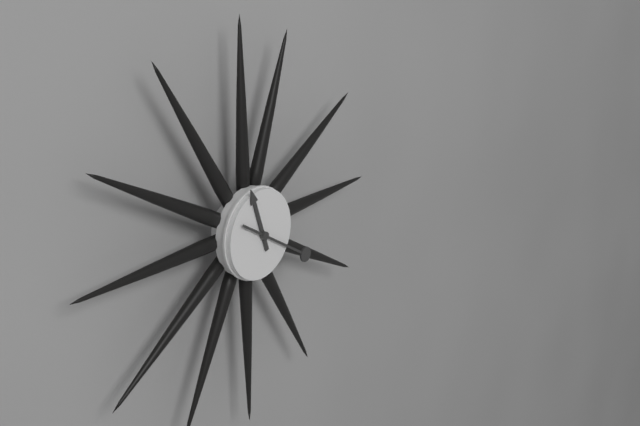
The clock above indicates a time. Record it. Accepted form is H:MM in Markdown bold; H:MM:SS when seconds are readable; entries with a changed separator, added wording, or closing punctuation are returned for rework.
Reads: **11:20**
